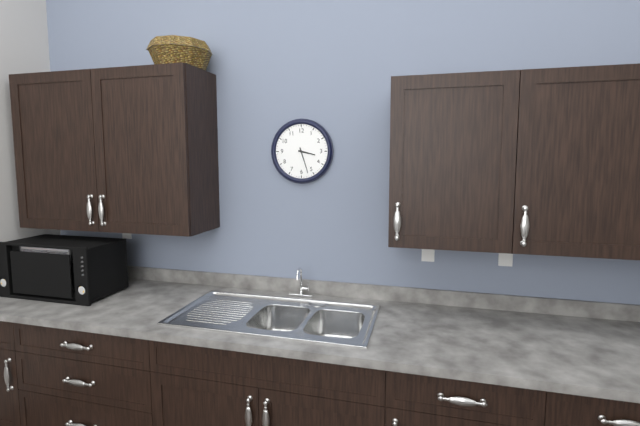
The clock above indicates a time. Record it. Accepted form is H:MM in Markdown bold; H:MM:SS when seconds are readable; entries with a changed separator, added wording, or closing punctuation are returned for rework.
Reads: **3:27**
